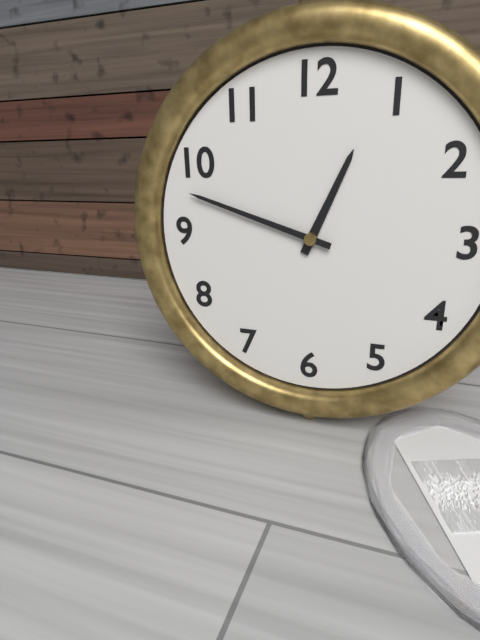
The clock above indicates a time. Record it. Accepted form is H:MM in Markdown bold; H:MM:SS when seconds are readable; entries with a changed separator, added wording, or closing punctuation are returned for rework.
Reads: **12:48**
